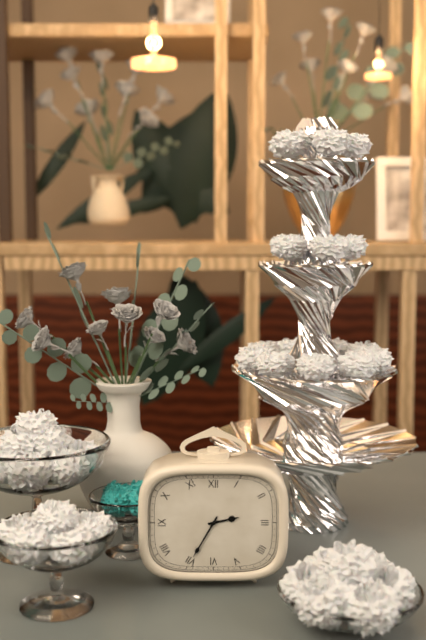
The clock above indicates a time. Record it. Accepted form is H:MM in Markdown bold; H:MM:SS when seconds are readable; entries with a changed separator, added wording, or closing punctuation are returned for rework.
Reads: **2:35**
